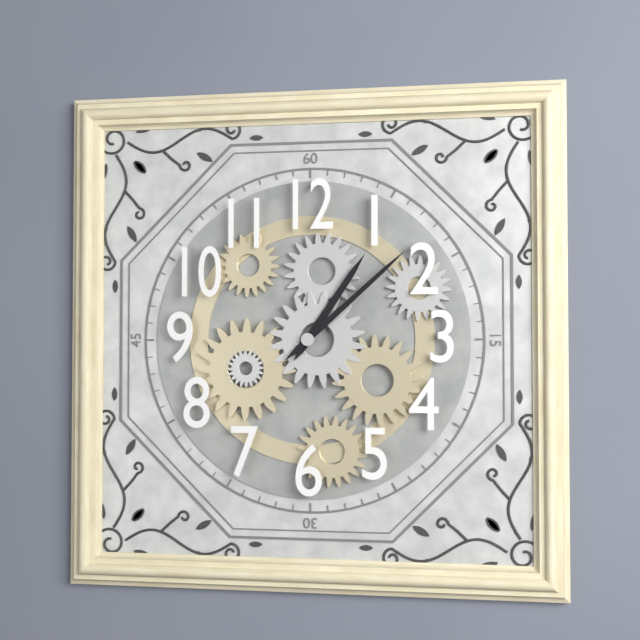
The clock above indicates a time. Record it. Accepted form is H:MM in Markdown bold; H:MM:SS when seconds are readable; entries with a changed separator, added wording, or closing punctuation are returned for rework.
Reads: **1:08**
